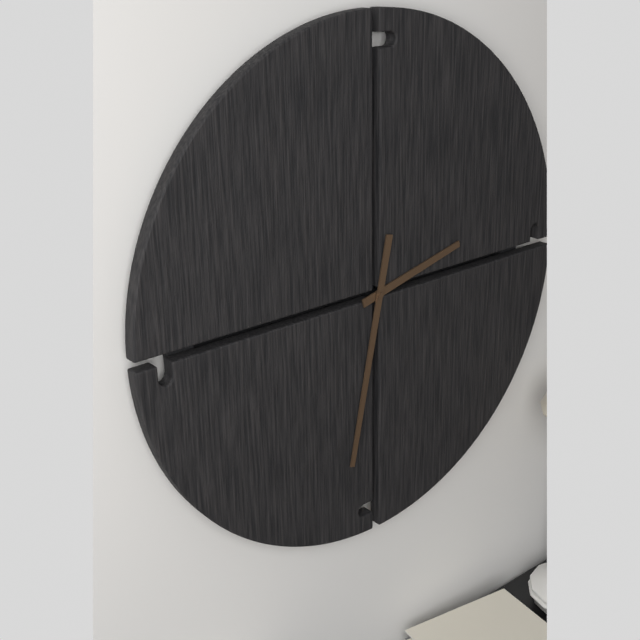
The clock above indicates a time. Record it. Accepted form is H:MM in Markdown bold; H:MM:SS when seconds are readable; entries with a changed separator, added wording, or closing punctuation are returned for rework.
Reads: **2:32**
